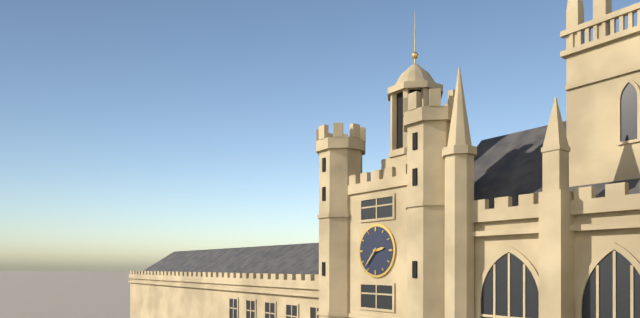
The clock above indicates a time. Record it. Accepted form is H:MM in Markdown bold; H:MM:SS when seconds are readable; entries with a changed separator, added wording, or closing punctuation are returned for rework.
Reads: **2:37**
